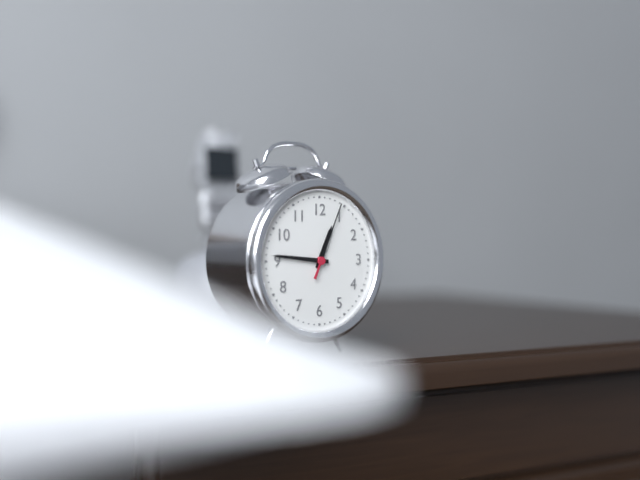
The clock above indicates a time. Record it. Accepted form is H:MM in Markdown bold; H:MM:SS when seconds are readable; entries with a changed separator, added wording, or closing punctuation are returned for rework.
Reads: **12:46:04**
